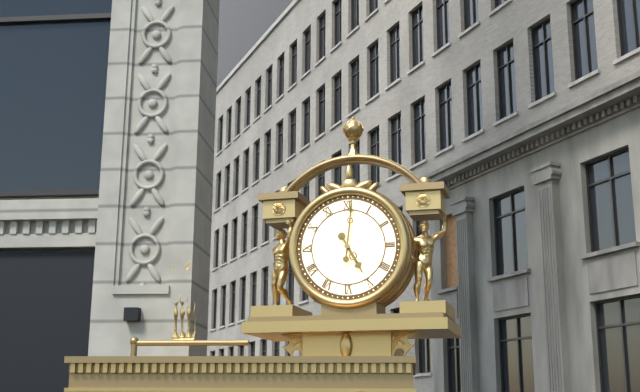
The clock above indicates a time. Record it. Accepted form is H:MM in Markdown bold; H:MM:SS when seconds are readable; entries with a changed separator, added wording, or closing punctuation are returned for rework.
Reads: **5:01**
